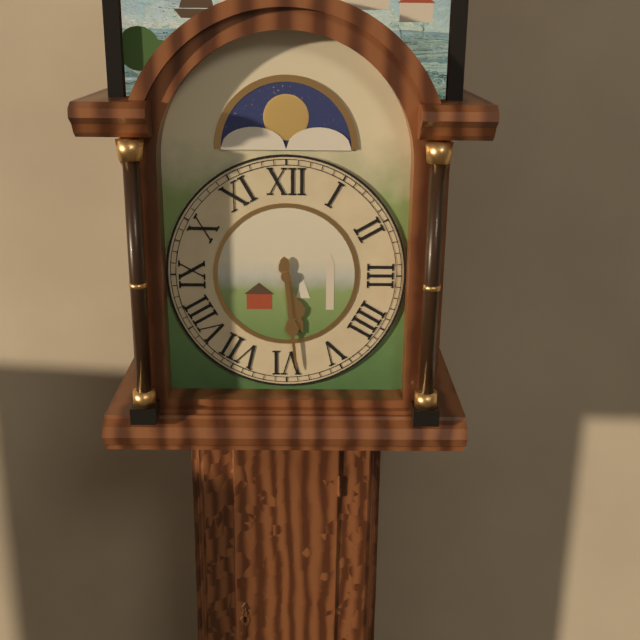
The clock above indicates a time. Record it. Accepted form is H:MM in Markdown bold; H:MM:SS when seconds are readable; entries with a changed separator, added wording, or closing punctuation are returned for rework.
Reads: **5:29**
